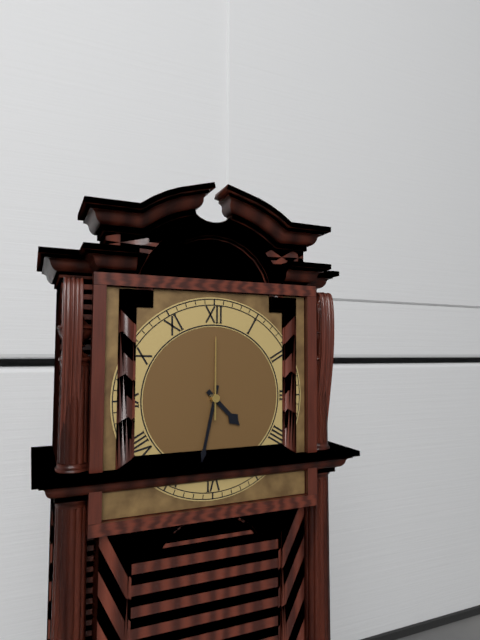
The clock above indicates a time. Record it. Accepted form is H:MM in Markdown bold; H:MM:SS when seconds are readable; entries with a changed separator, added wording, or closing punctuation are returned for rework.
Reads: **4:32:00**
